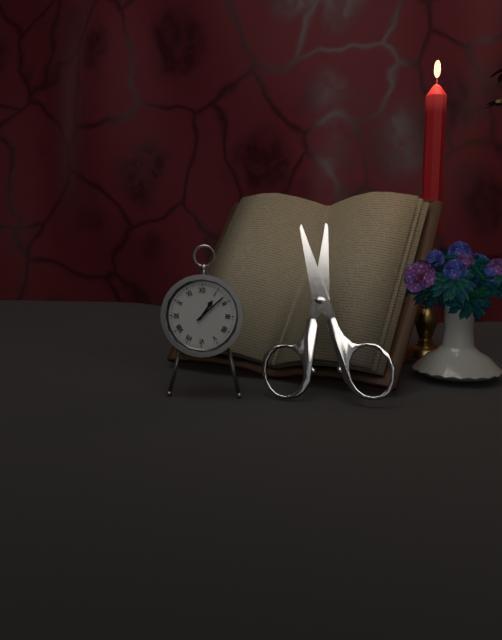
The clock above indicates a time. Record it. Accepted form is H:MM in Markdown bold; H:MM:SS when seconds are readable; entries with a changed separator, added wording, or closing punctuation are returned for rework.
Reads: **1:08**
